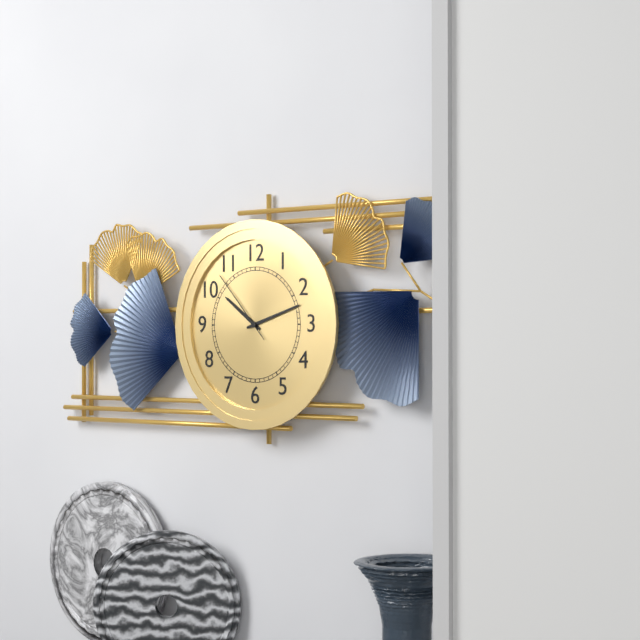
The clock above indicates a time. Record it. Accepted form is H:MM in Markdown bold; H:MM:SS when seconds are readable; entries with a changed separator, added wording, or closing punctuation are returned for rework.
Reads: **10:12:53**
